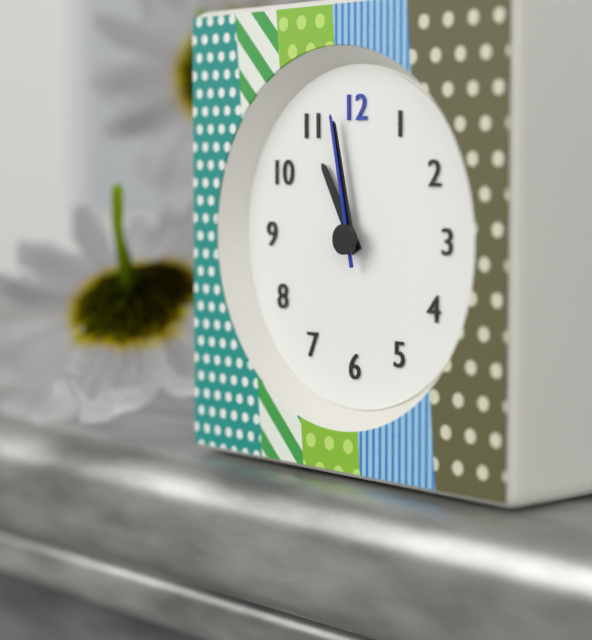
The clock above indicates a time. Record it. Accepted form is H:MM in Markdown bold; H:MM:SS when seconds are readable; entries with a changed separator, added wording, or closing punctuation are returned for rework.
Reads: **10:58:58**
